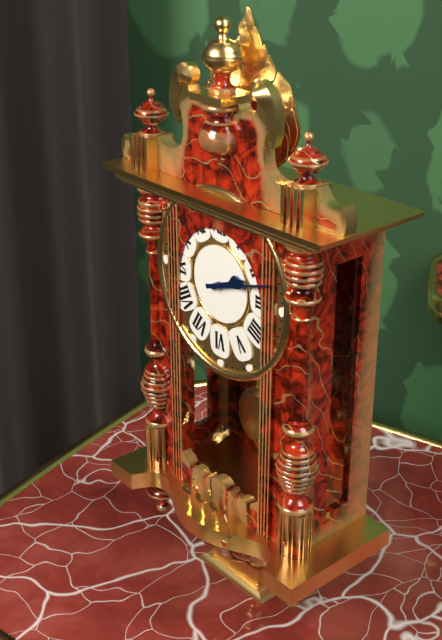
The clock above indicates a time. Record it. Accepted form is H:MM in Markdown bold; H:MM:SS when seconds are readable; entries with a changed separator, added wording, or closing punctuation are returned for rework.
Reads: **2:12**
